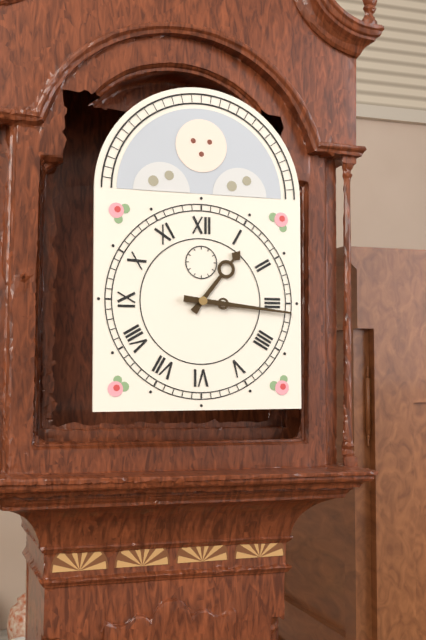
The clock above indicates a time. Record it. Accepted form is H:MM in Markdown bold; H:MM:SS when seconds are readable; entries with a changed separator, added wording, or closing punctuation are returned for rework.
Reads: **1:16**
